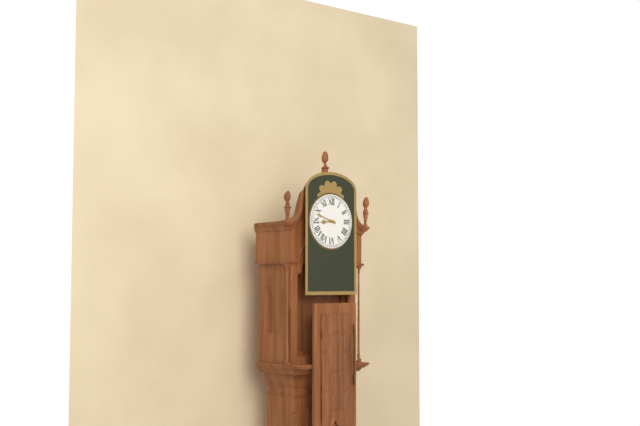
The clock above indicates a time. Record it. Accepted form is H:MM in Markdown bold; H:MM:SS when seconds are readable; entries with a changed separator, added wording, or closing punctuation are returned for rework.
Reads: **8:48**
